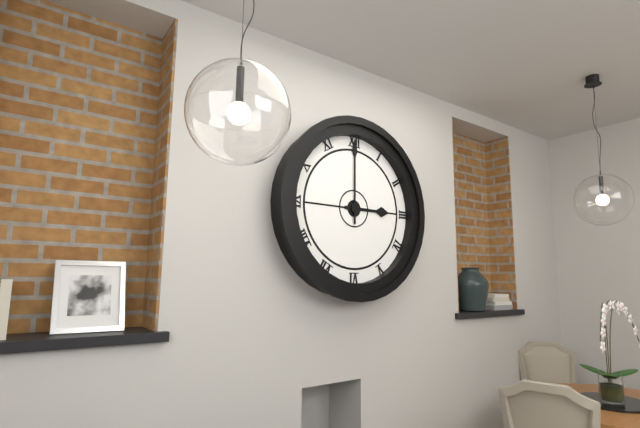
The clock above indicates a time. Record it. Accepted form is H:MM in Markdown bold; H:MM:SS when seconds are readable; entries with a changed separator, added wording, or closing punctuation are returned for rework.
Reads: **3:00**
